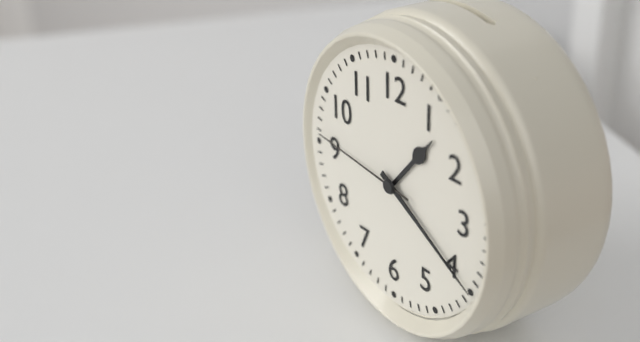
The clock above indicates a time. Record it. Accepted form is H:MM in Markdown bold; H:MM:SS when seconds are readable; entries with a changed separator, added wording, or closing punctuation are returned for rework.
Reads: **1:20:46**
